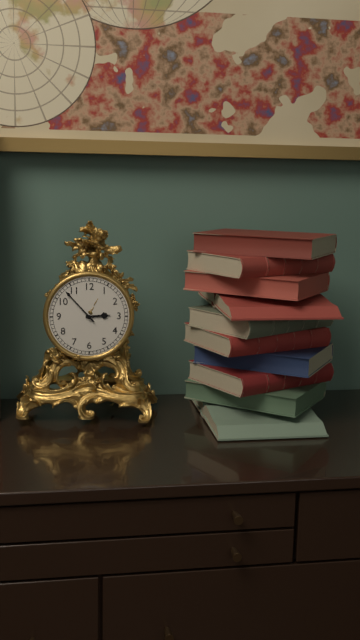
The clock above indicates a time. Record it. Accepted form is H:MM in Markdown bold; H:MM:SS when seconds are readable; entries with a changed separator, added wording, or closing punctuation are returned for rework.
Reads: **2:53**
